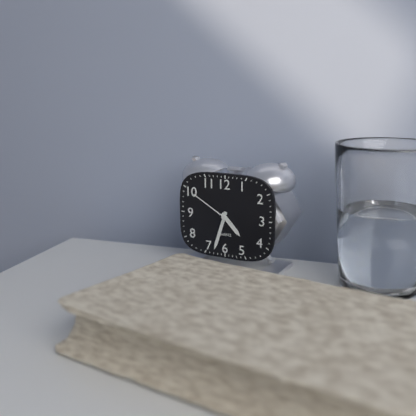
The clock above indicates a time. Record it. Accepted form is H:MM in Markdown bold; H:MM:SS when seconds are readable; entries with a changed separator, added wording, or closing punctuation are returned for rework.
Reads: **4:33**
